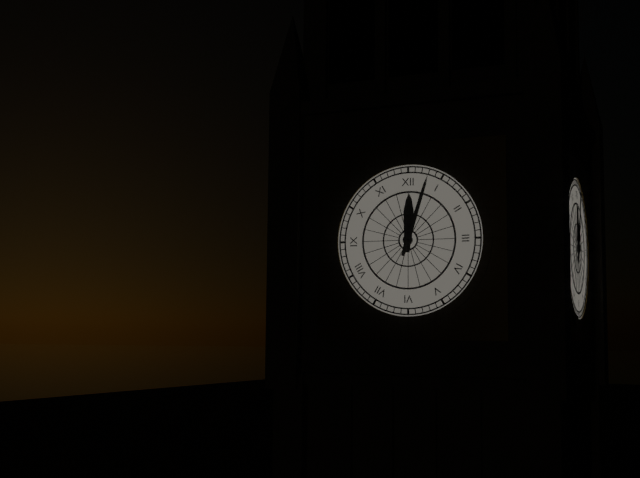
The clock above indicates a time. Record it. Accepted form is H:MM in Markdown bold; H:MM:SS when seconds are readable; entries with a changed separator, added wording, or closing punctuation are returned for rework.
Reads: **12:03**
